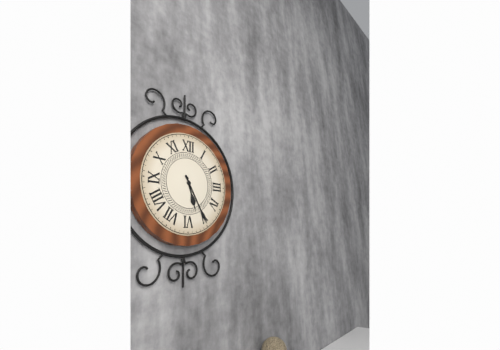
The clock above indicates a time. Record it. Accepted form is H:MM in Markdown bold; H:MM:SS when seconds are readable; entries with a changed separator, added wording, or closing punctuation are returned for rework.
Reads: **5:25**
